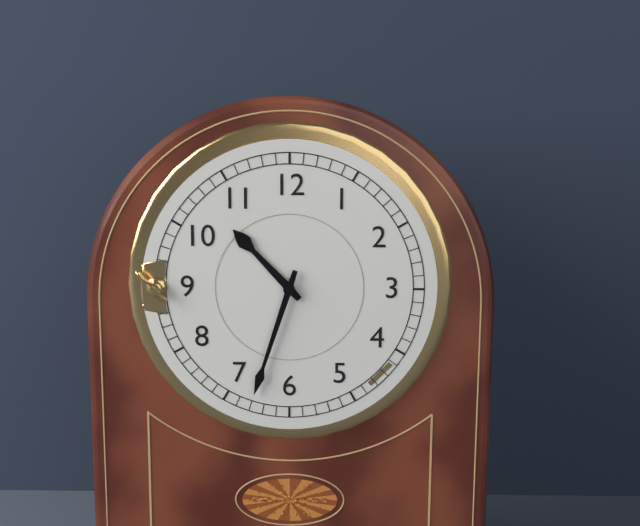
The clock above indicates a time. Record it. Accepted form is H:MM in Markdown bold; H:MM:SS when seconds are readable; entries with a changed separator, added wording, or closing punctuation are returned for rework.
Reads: **10:33**
